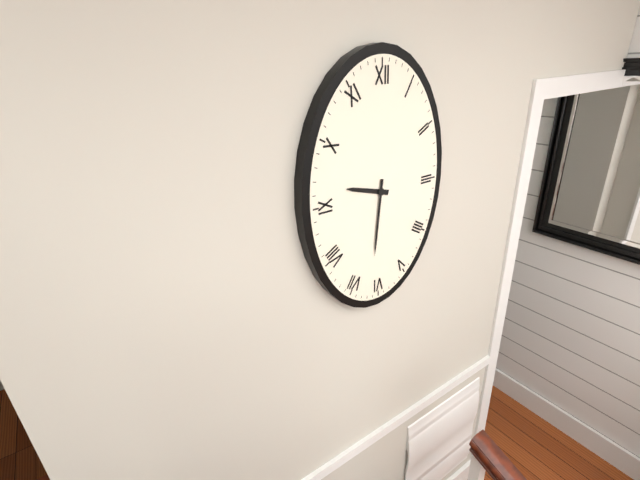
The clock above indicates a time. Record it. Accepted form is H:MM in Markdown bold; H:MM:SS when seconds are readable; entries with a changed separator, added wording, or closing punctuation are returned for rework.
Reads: **9:31**
